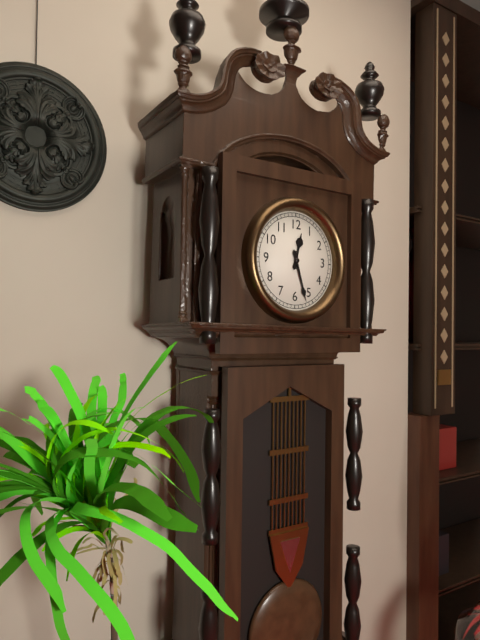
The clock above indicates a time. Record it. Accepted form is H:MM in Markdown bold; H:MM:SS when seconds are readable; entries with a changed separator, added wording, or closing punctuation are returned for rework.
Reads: **12:27**
